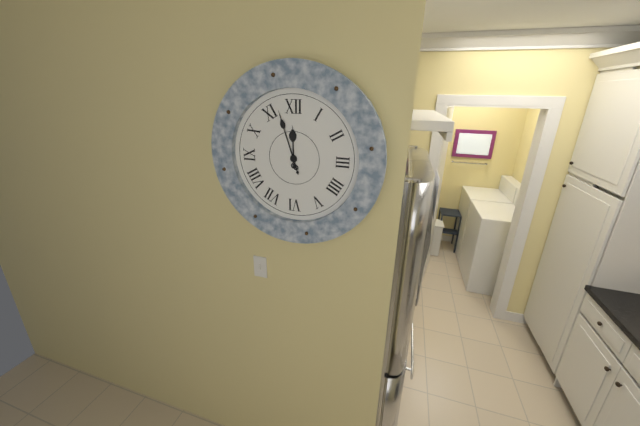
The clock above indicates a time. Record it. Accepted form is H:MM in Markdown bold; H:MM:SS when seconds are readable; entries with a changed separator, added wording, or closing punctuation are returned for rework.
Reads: **11:57**
